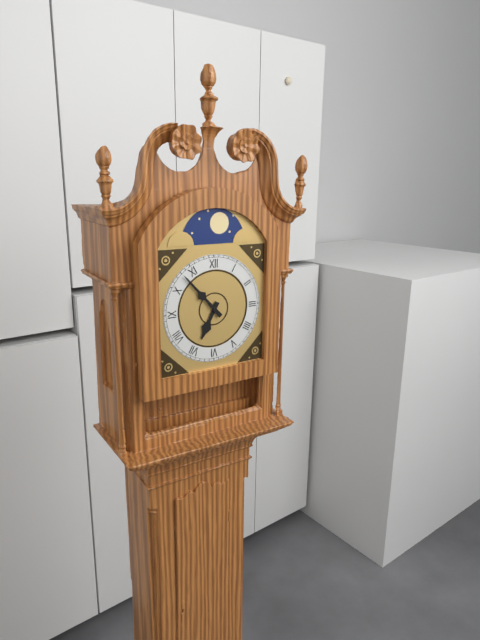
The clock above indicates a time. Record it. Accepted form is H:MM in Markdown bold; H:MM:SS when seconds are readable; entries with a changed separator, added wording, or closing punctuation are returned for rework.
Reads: **6:53**
